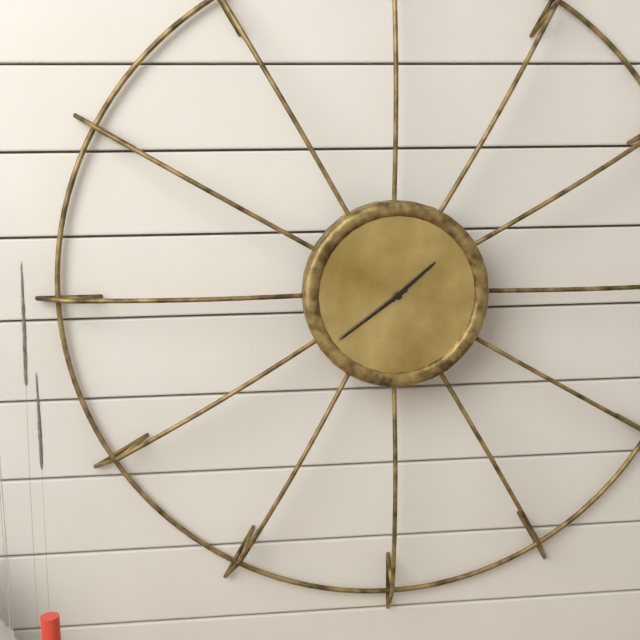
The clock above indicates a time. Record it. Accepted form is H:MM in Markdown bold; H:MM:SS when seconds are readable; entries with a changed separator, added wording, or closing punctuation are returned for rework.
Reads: **1:39**
